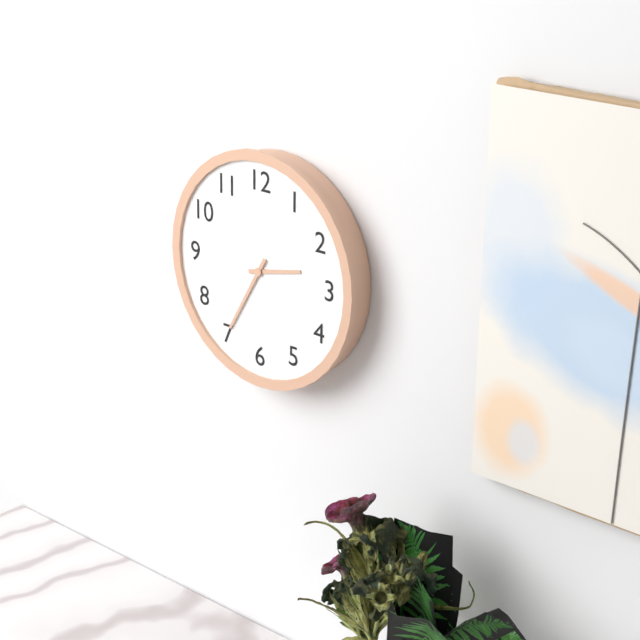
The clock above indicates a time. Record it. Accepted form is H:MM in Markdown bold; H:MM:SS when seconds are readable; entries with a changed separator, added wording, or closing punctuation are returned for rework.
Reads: **2:35**
